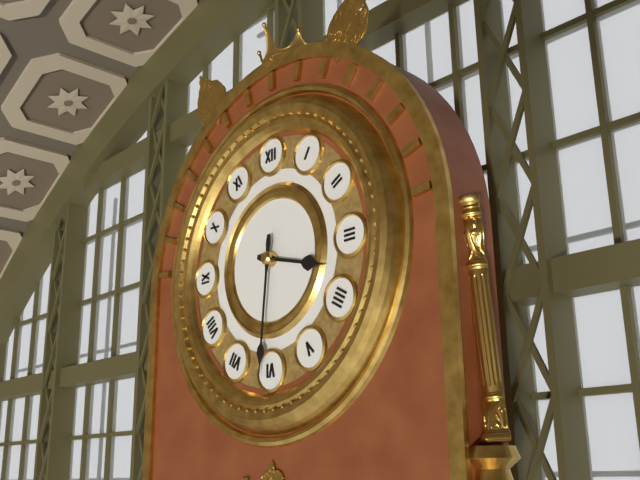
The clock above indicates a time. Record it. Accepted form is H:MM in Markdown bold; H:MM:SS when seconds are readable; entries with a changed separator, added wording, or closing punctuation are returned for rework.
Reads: **3:31**
